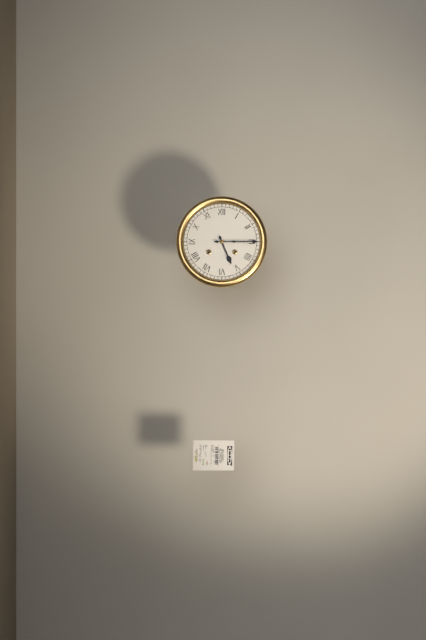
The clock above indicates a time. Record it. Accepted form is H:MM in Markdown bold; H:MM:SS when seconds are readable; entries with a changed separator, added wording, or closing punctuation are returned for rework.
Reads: **5:15**
